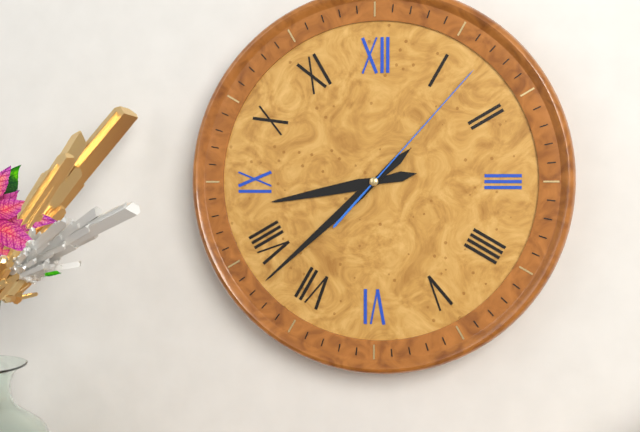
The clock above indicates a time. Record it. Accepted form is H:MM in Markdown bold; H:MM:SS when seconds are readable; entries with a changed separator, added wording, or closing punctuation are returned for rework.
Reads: **8:38:07**
